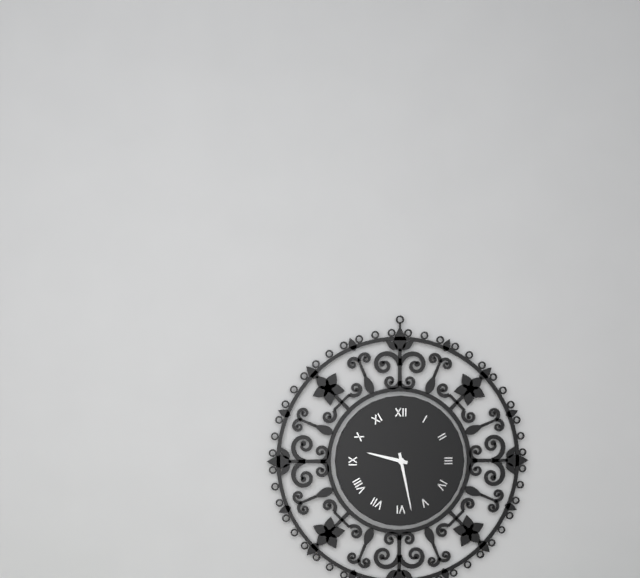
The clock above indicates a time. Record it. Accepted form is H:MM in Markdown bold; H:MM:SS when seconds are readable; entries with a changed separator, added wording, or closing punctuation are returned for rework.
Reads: **9:28**
